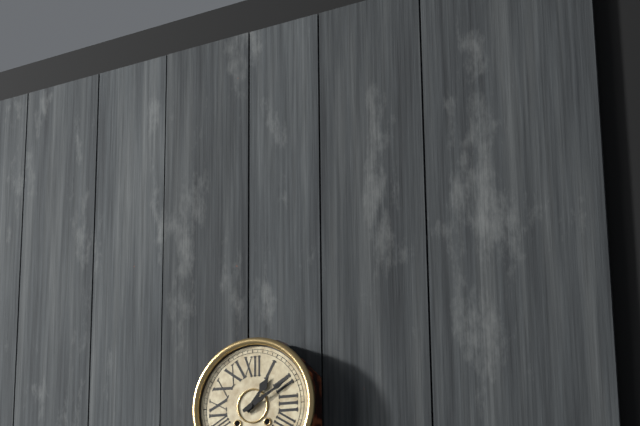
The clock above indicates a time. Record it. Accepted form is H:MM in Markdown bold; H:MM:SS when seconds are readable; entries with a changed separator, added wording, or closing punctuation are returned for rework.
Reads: **1:10**
